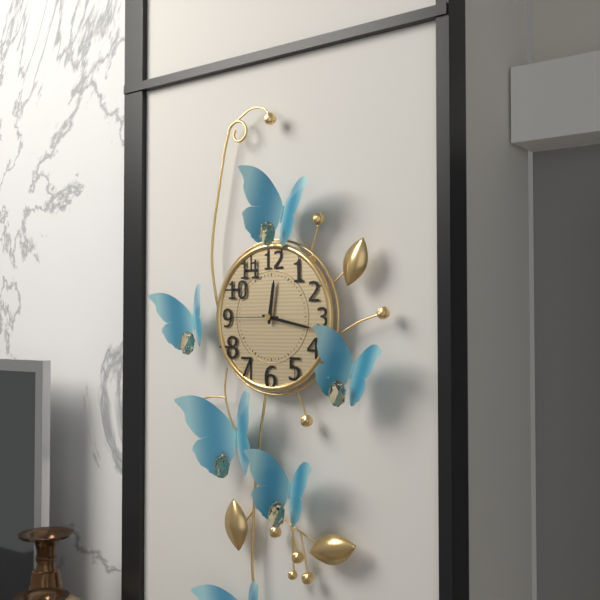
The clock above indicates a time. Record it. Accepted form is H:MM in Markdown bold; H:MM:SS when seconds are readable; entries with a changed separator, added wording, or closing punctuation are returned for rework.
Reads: **12:17:45**
